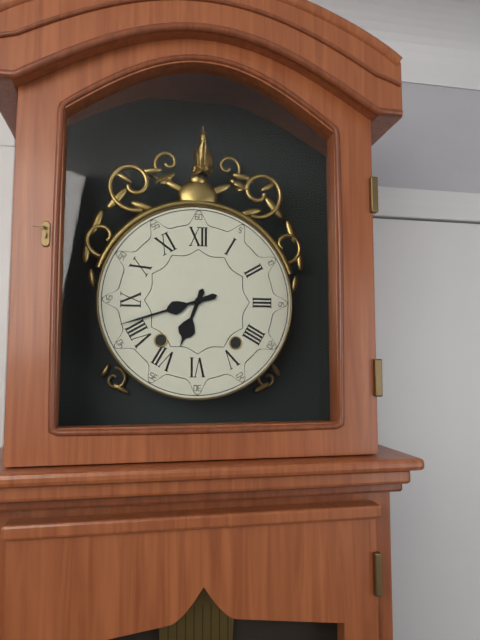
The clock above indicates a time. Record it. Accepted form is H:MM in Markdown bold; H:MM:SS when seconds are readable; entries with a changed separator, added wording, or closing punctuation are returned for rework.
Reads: **6:42**
